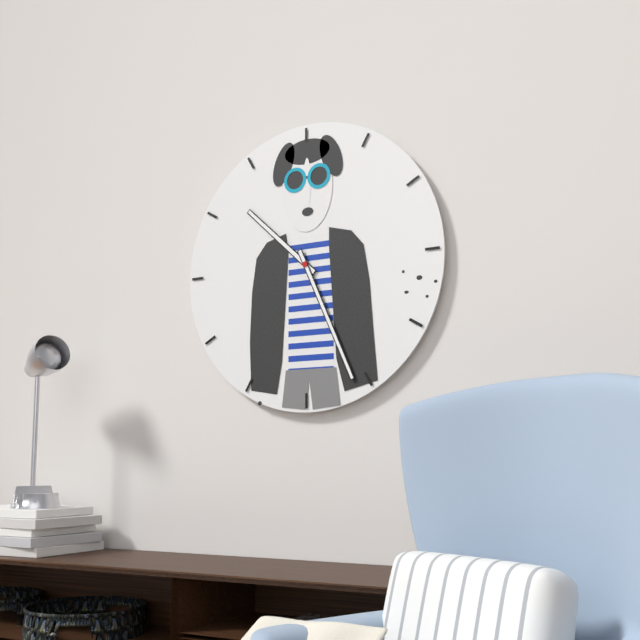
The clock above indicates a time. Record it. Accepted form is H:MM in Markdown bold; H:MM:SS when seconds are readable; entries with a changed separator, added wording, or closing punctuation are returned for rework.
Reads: **10:26**
